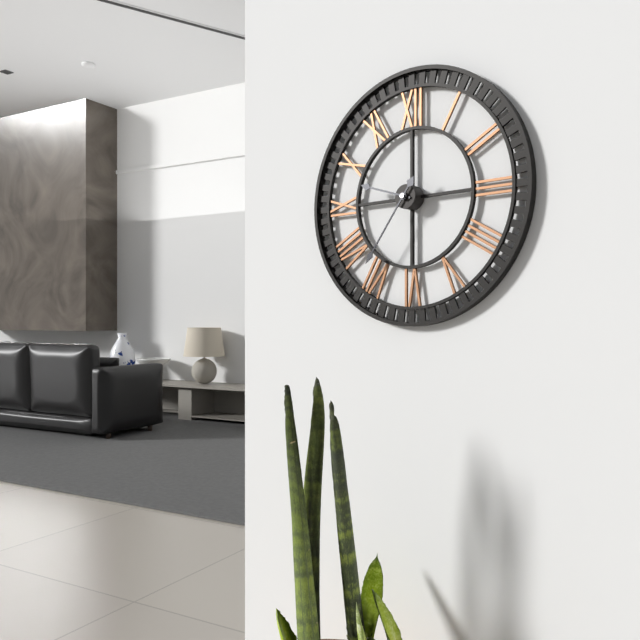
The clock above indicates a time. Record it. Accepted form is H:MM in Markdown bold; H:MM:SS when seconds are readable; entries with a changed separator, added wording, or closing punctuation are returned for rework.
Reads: **9:36**
